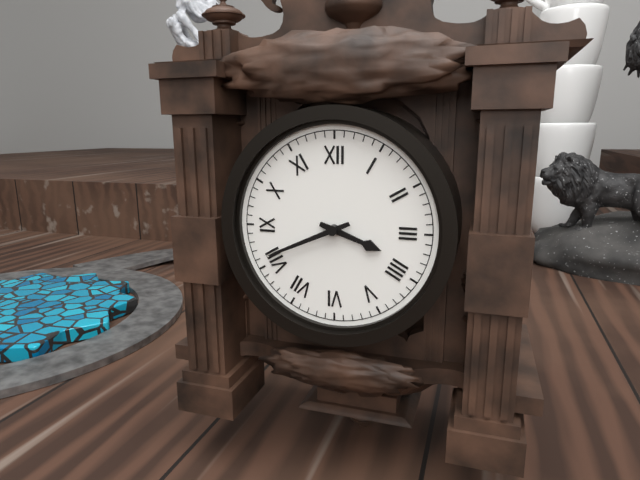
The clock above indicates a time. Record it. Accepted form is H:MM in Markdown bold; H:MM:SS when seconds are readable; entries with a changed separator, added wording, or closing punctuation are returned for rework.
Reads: **3:41**
